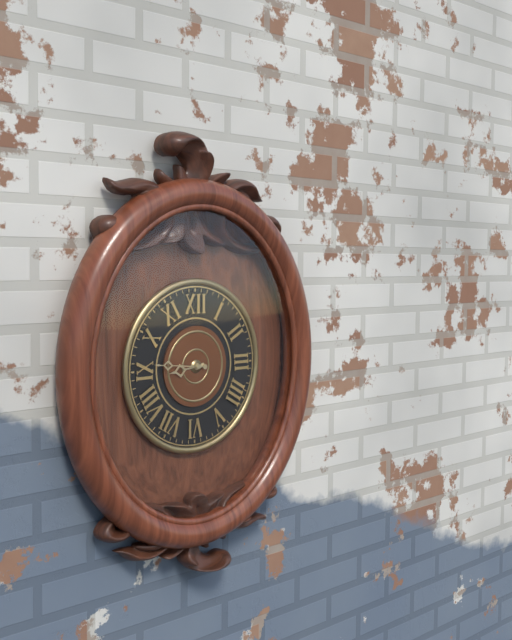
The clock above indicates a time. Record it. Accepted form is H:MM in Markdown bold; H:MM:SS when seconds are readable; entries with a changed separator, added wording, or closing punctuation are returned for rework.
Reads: **8:46**
